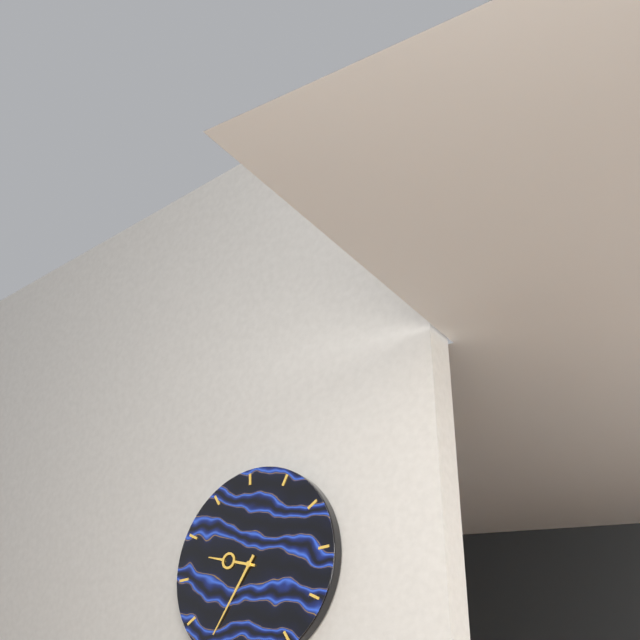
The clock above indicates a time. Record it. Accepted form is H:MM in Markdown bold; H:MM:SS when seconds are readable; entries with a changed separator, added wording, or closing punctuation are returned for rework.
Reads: **9:36**
